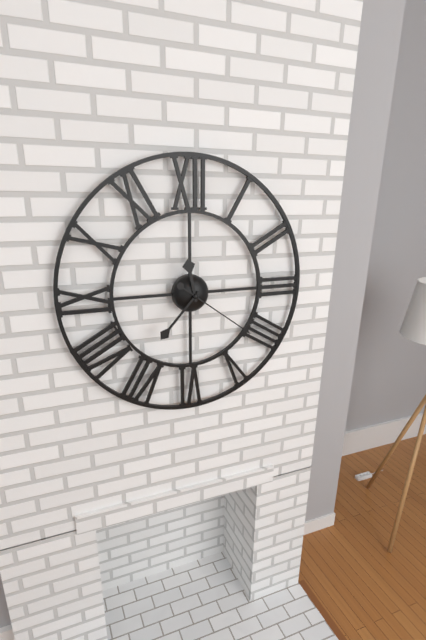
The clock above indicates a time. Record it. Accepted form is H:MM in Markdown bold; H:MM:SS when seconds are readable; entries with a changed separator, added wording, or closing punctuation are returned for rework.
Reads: **11:37:21**
